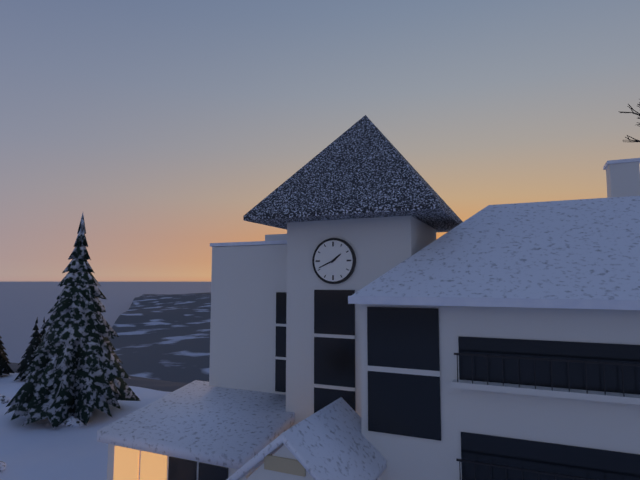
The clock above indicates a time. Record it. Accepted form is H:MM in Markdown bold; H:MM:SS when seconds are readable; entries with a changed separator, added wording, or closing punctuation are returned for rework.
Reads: **1:41**
